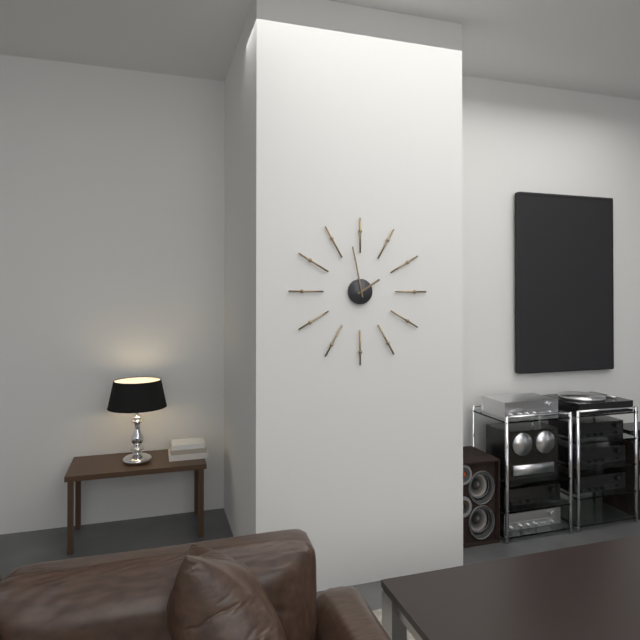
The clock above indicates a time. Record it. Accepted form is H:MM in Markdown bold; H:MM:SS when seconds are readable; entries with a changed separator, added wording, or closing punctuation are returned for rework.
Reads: **1:58**
